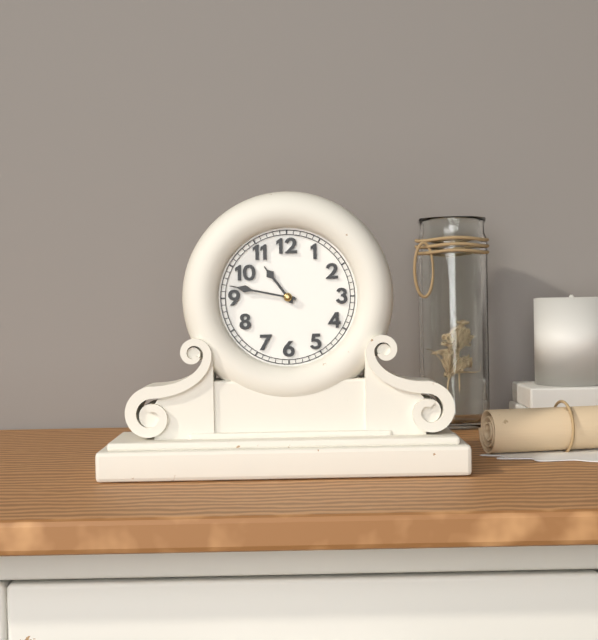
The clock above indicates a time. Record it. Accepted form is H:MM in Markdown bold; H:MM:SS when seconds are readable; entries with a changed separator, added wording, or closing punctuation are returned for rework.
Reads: **10:47**
